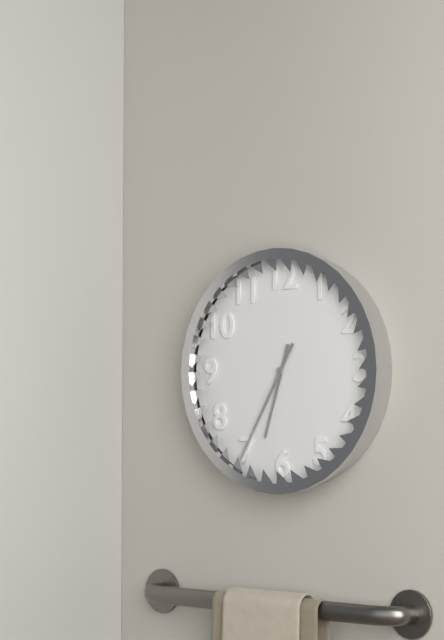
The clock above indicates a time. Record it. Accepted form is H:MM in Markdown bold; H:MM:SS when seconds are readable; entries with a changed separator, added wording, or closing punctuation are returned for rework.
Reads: **6:35**
